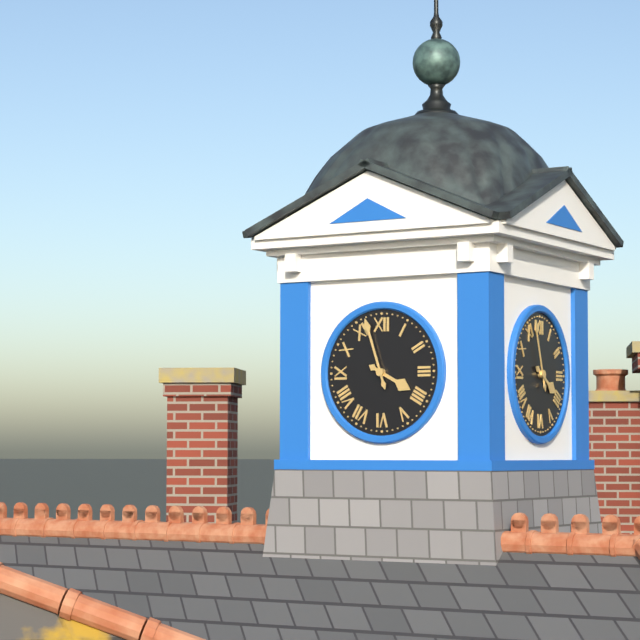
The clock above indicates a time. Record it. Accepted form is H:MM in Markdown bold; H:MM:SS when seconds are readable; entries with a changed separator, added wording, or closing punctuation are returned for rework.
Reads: **3:57**
